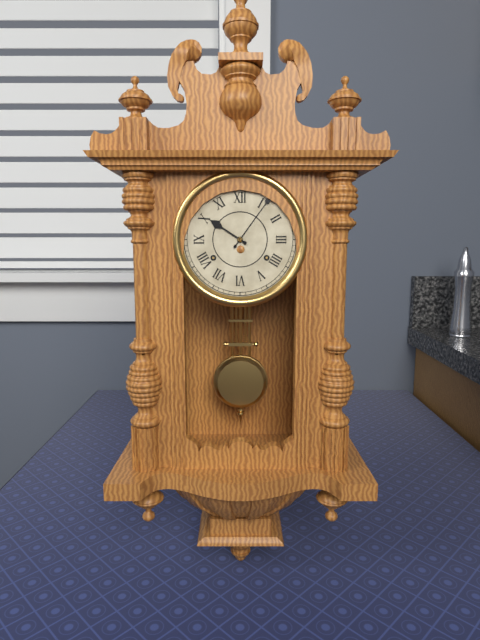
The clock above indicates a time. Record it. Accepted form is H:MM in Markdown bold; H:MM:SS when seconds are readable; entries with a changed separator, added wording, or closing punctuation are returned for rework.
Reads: **10:06**
